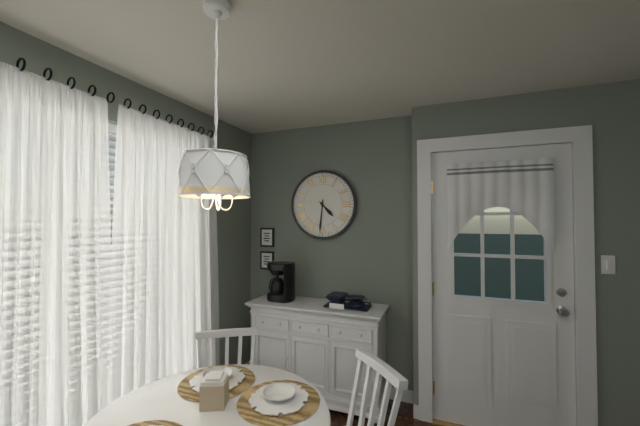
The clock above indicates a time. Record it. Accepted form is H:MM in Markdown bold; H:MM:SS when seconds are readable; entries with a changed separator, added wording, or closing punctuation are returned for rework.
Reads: **4:31**
